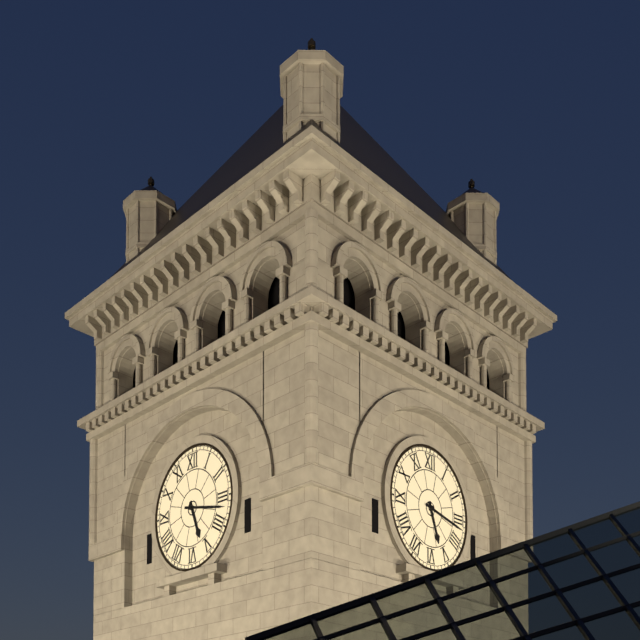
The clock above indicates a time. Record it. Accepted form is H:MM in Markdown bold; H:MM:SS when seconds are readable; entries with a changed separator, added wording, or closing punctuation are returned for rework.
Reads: **5:17**
